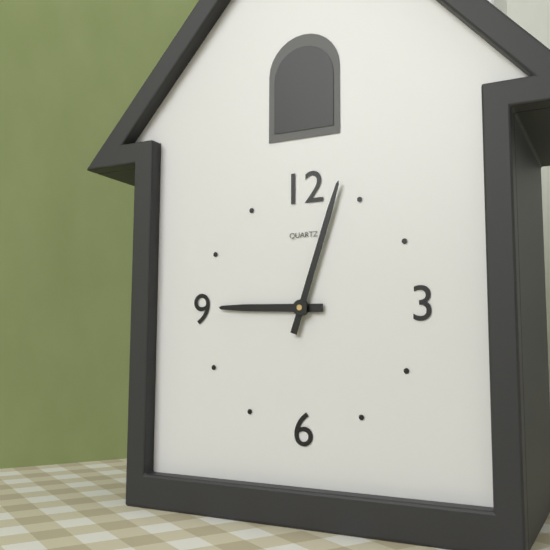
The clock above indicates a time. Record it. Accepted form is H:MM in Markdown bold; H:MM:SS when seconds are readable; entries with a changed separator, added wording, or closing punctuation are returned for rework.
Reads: **9:03**
